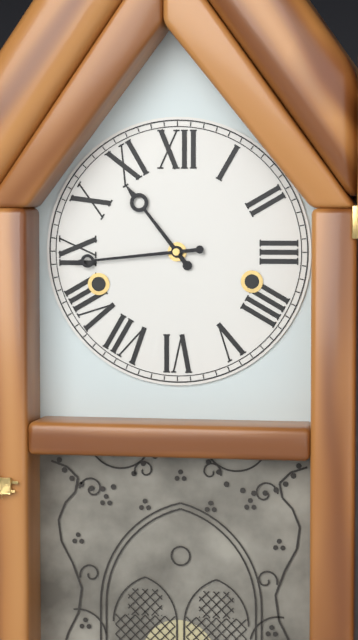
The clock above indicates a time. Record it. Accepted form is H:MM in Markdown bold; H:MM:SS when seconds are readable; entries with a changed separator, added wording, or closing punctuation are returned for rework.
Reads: **10:44**
